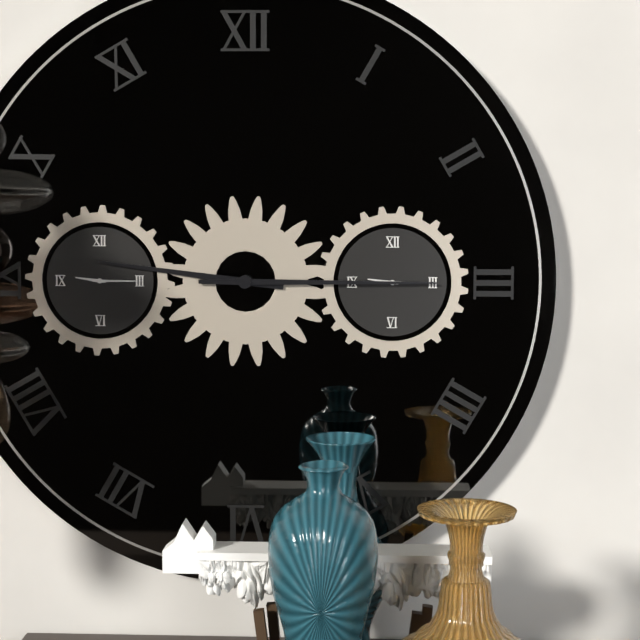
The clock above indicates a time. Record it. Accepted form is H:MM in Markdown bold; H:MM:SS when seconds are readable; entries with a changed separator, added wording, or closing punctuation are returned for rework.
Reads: **9:15**
